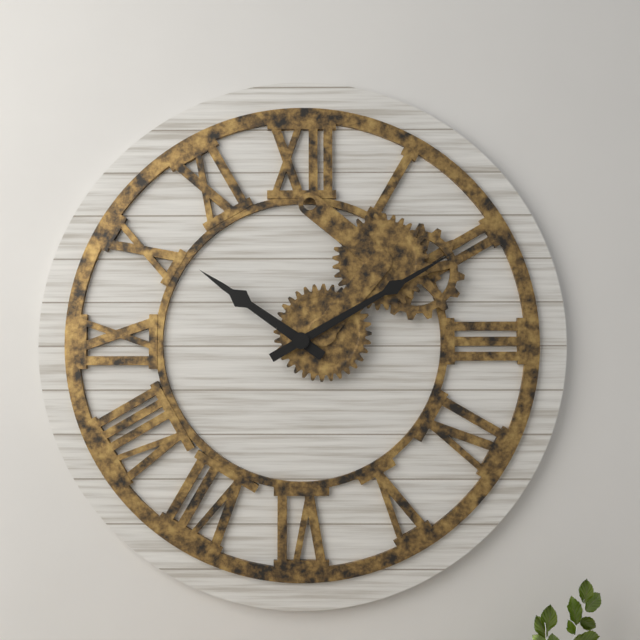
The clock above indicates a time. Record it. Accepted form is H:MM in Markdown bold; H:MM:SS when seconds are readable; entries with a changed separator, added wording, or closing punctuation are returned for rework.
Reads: **10:10**
